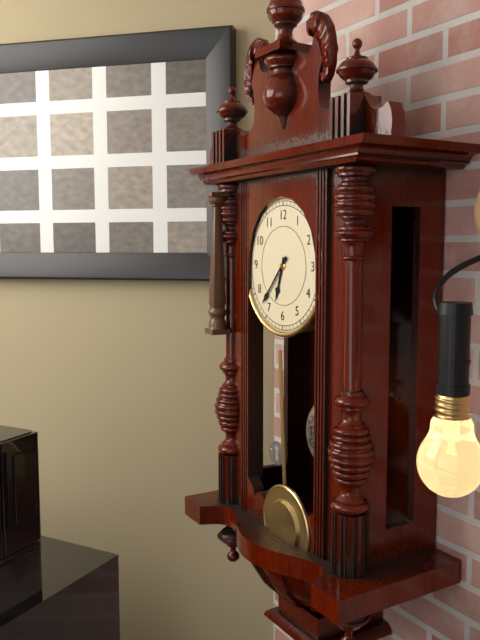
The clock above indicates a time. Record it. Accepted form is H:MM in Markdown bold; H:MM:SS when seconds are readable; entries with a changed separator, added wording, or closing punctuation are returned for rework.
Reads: **6:37**
